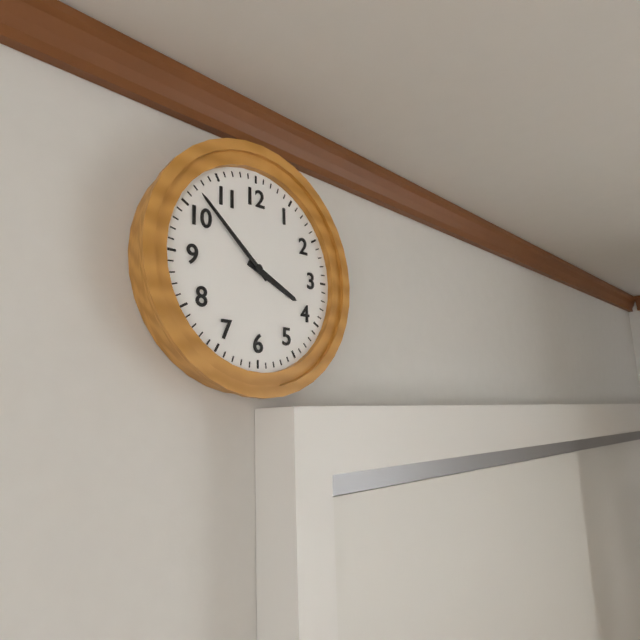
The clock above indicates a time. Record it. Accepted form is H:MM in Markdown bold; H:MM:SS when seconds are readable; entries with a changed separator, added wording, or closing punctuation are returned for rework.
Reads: **3:52**
